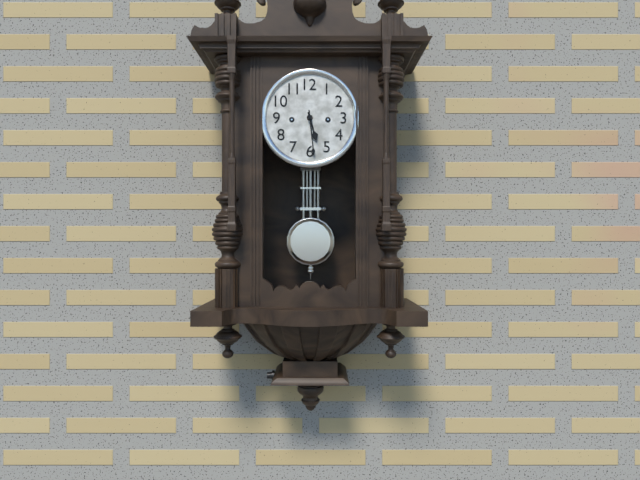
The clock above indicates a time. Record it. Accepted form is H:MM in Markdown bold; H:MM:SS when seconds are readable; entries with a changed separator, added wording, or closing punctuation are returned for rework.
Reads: **5:29**
